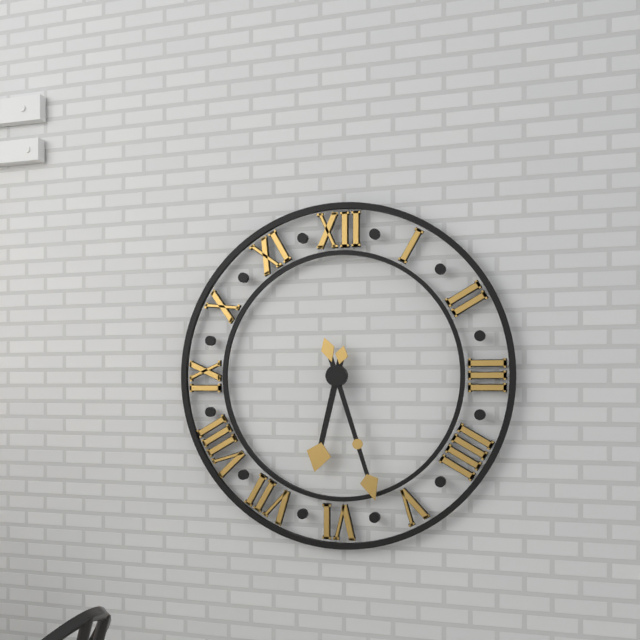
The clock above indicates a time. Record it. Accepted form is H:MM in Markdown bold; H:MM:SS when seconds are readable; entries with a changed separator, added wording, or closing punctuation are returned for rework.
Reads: **6:27**
